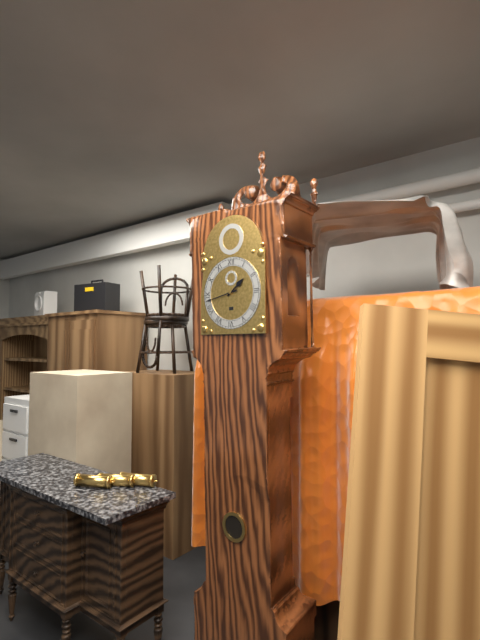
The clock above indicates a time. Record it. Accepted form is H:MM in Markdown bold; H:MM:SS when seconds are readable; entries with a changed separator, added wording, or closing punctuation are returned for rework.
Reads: **1:43**
